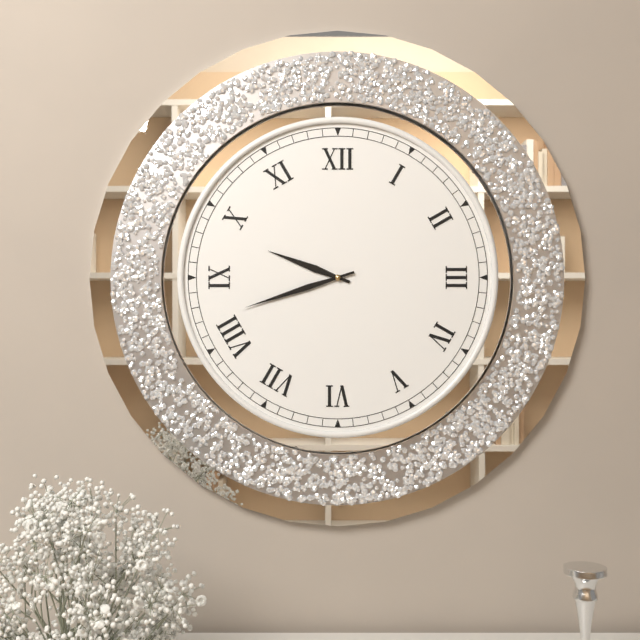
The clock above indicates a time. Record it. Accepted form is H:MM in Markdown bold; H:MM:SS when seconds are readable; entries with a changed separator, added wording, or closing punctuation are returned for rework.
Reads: **9:42**
